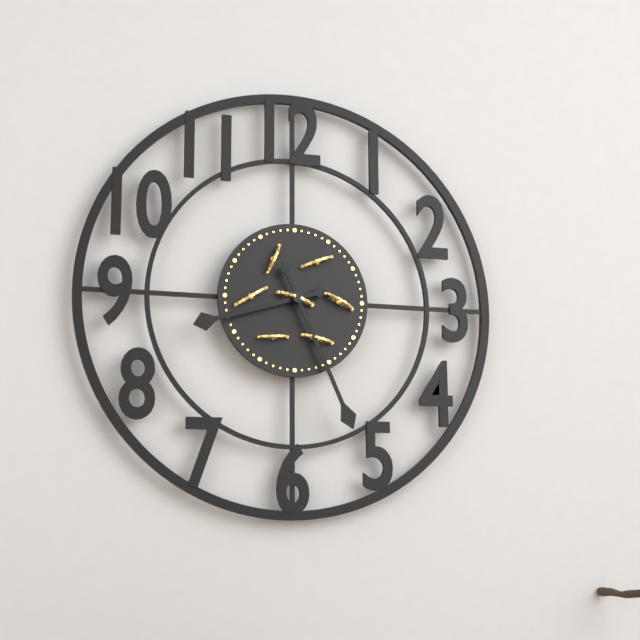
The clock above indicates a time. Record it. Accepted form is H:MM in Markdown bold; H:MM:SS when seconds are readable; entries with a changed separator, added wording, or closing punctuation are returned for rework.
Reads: **8:26**
